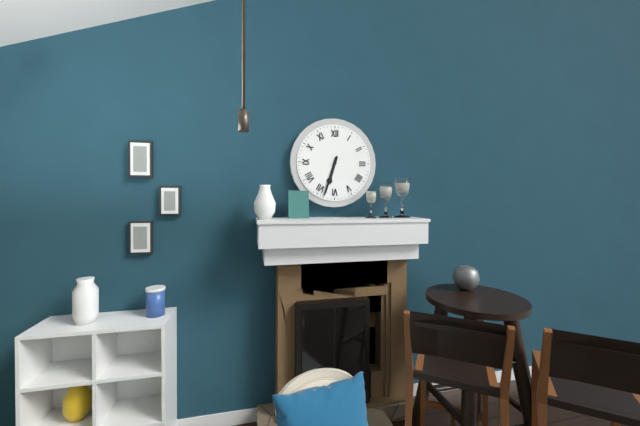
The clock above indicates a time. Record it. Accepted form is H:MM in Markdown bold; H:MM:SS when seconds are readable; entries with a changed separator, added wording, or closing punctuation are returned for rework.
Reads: **6:33**
